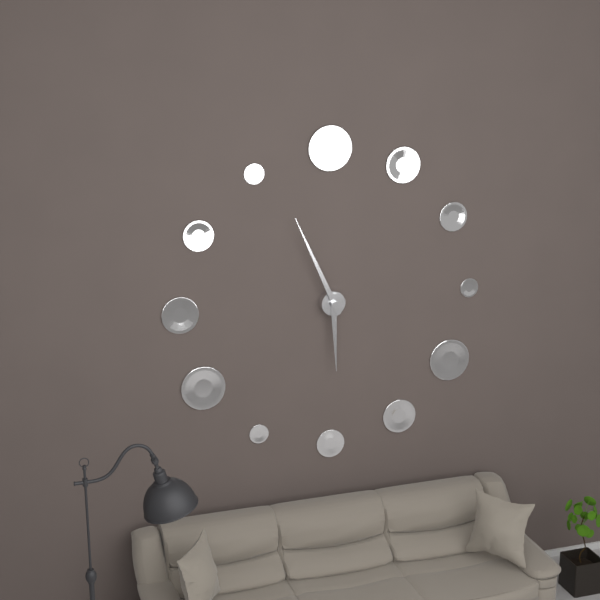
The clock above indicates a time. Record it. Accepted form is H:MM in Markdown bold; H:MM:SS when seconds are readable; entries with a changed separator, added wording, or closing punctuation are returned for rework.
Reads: **5:56**
